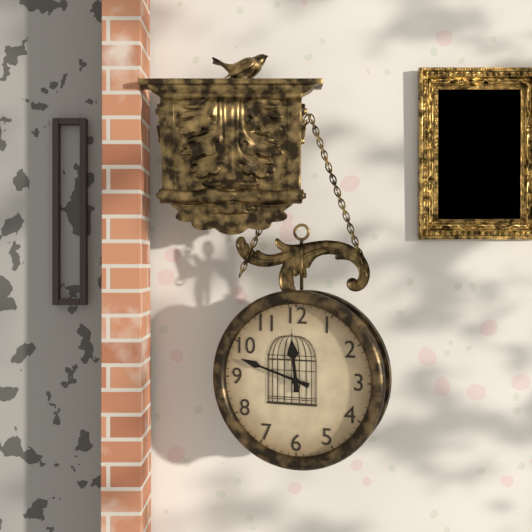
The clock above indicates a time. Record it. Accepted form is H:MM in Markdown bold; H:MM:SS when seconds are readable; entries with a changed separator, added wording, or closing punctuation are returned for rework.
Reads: **11:48**
